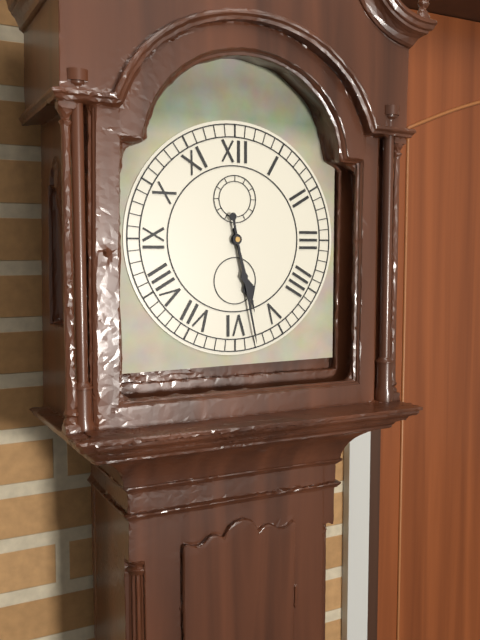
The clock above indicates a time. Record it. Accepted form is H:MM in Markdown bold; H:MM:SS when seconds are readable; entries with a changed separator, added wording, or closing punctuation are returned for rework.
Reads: **5:28**
